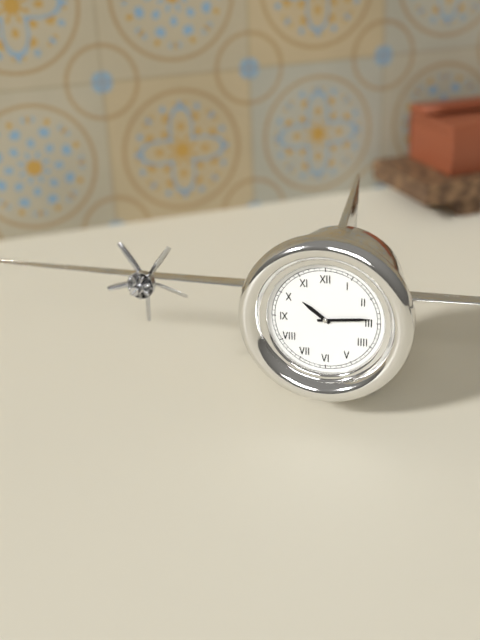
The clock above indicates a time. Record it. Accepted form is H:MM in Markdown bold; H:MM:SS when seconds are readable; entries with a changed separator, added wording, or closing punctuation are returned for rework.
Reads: **10:14**
